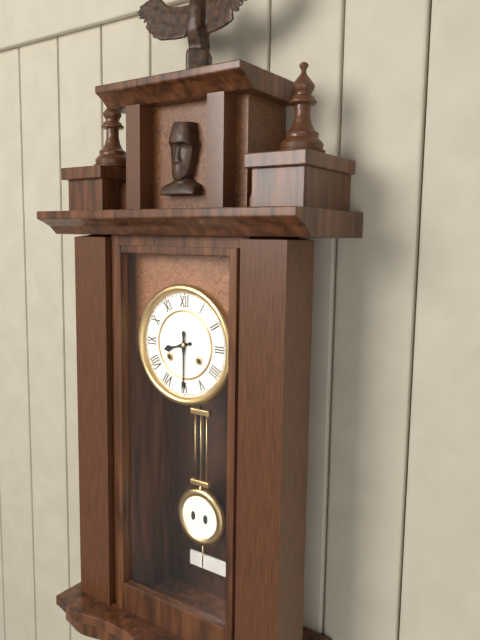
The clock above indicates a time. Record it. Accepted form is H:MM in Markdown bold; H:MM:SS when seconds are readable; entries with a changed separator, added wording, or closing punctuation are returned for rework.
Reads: **8:30**
